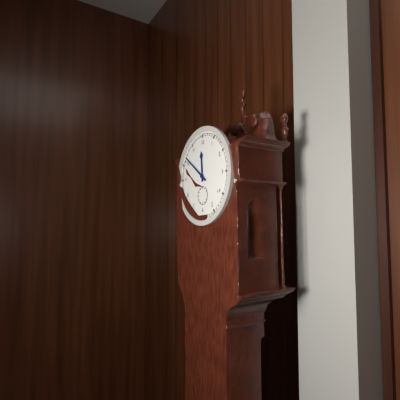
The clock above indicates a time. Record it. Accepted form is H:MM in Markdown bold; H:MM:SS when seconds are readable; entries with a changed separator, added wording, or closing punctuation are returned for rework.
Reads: **11:51**
